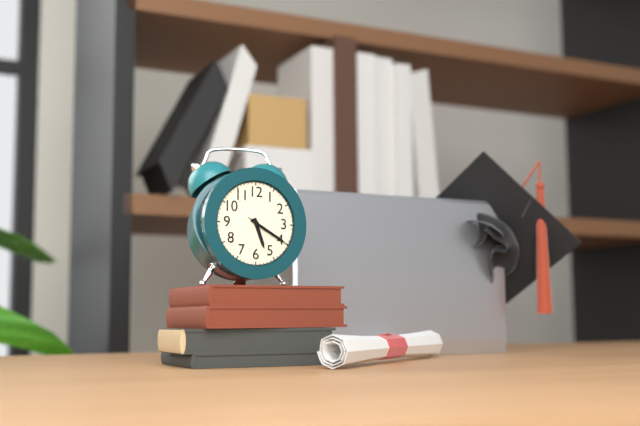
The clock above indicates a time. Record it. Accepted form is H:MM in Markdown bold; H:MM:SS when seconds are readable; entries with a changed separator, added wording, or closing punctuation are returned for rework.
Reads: **5:20**
